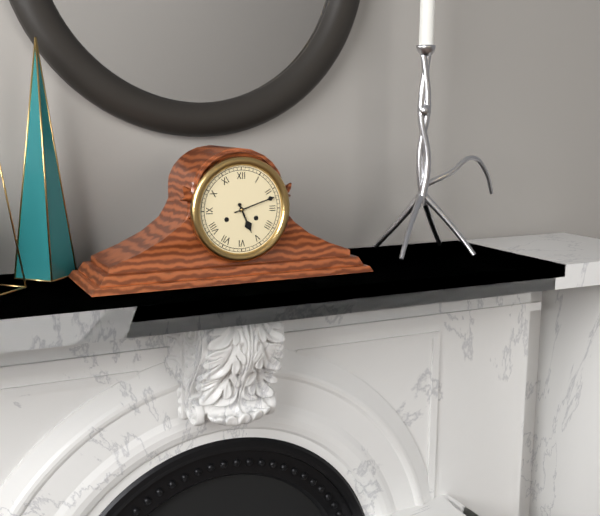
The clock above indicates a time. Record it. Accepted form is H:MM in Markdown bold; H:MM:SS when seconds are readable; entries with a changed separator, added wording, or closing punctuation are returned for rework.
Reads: **5:12**
